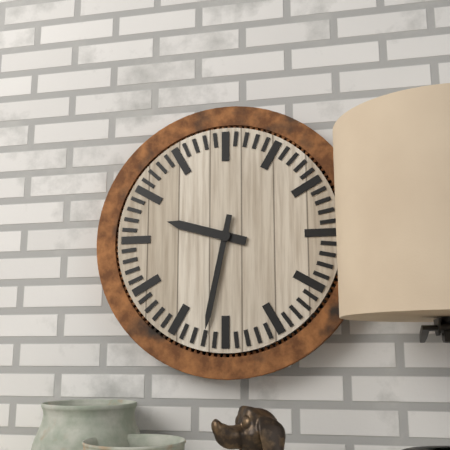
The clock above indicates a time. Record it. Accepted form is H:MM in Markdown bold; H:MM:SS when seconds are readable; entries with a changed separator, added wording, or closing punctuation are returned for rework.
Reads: **9:32**
